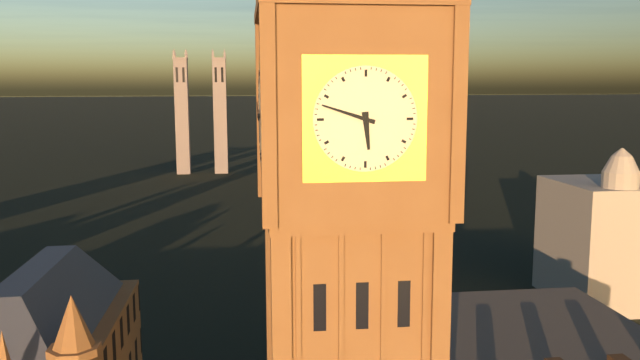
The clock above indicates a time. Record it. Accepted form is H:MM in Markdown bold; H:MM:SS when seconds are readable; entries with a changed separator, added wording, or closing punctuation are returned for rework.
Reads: **5:48**
